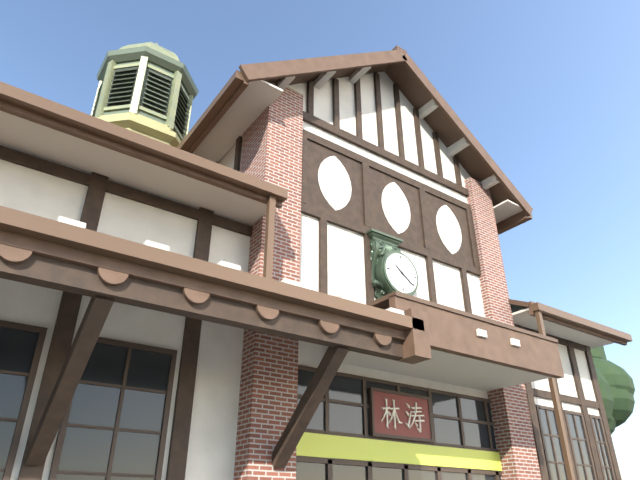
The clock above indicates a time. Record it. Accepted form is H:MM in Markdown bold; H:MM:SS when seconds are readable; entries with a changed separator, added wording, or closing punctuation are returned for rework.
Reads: **10:21**
